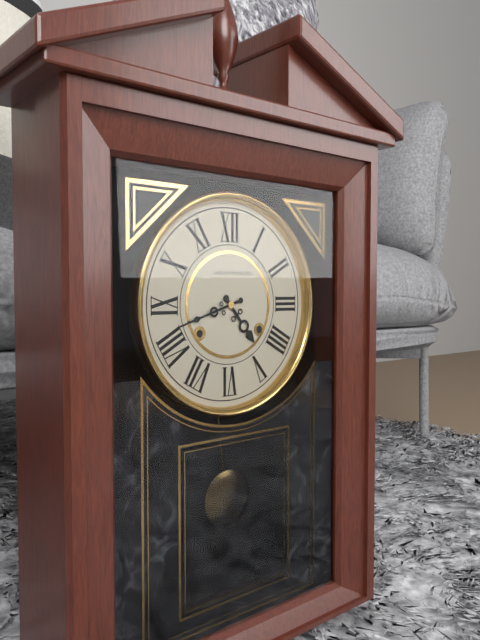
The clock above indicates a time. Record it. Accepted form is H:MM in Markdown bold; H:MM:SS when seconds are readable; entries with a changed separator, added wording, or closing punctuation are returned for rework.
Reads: **4:42**
